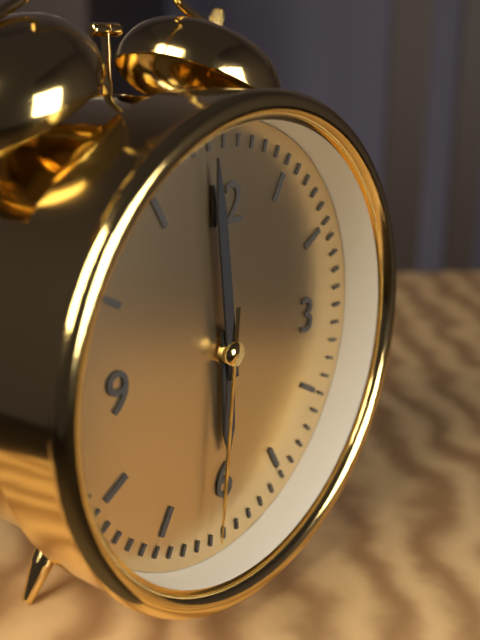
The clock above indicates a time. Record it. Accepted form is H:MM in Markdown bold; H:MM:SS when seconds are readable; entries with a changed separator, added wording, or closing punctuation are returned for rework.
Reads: **5:59:31**
